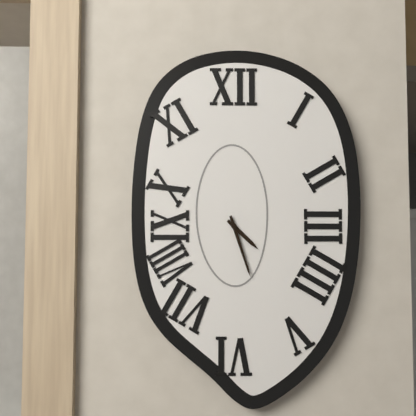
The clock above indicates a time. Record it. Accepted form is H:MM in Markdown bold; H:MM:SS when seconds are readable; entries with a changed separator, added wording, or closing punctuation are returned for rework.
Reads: **4:27**
